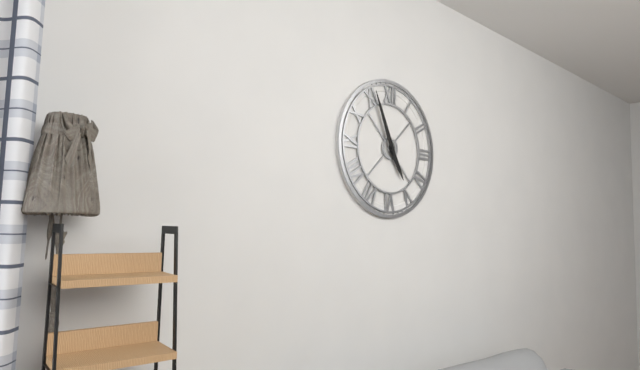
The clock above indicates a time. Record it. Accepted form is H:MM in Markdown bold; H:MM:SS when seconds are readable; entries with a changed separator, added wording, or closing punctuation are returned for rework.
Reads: **4:56**
